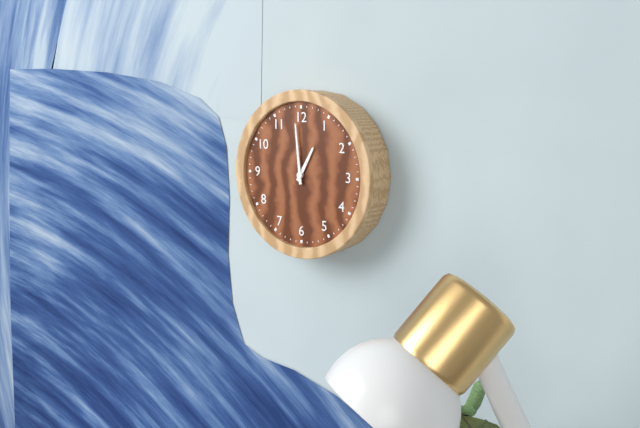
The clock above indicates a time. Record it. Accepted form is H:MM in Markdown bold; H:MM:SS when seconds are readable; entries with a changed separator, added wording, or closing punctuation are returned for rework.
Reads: **12:59**
